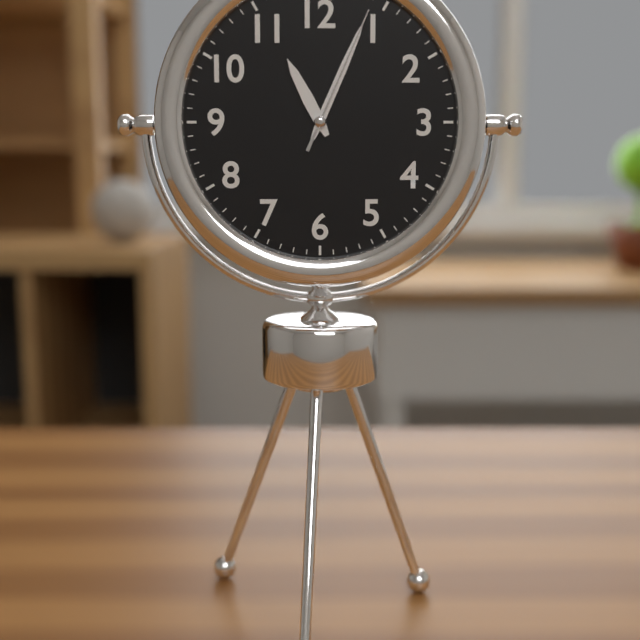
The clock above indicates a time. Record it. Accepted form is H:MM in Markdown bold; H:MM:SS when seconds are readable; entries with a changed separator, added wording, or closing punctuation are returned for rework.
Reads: **11:04:04**
